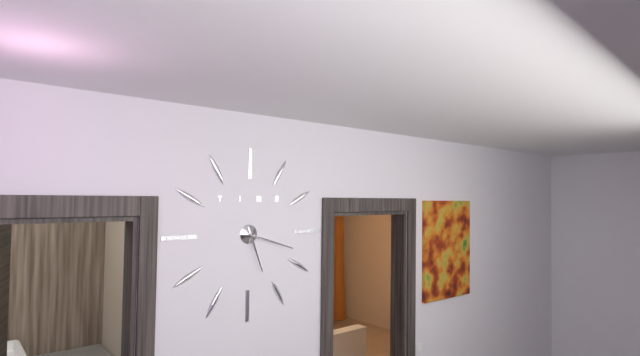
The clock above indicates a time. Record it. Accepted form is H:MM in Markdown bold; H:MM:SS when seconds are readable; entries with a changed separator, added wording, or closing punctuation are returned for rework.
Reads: **5:18**
